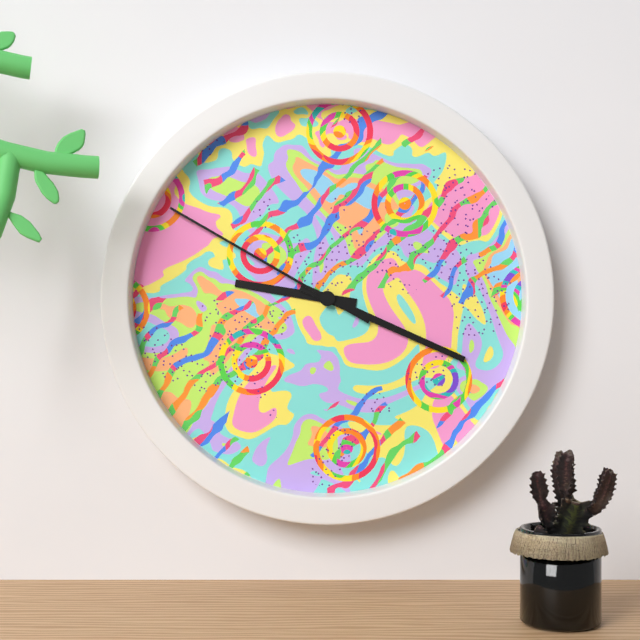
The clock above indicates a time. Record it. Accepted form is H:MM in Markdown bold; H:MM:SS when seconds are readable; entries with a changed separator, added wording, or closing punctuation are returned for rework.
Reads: **9:19:50**
